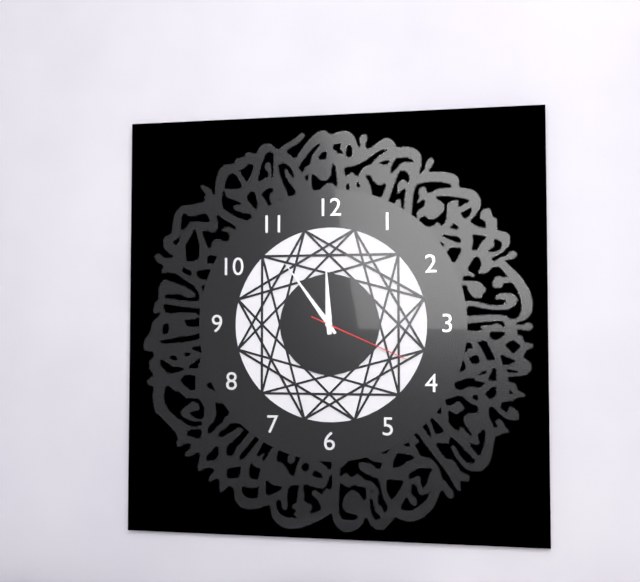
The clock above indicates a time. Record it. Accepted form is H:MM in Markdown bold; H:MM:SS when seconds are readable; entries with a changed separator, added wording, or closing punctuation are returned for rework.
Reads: **11:54:19**
